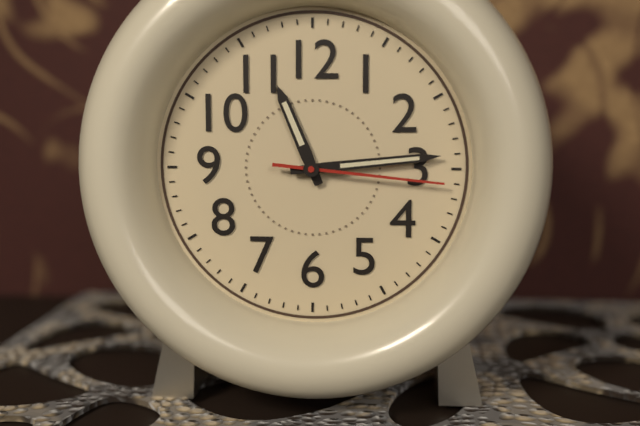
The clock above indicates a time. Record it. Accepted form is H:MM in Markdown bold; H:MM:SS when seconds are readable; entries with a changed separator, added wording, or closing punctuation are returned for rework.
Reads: **11:14:16**
